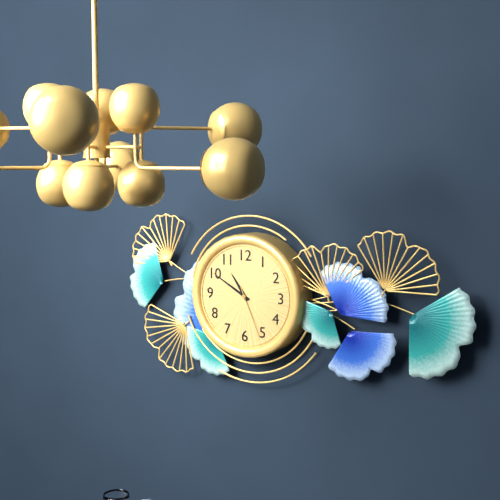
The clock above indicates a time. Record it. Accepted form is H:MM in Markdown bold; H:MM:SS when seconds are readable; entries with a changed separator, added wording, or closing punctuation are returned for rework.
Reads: **10:50:26**
